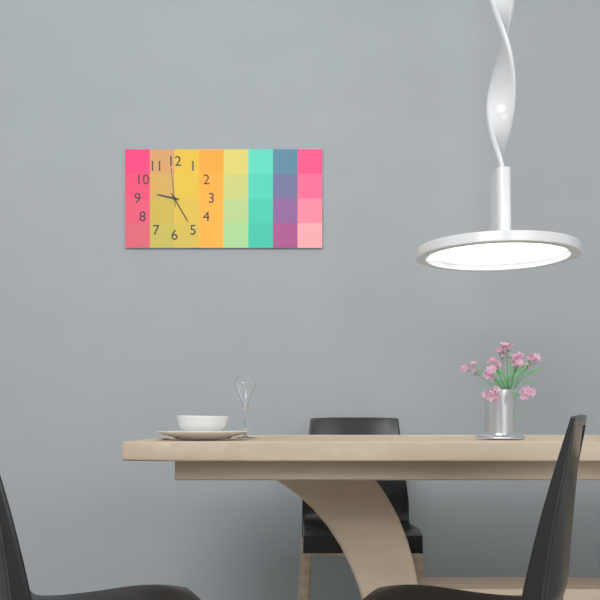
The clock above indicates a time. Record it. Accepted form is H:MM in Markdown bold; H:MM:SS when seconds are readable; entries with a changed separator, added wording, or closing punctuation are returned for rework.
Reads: **9:25**
